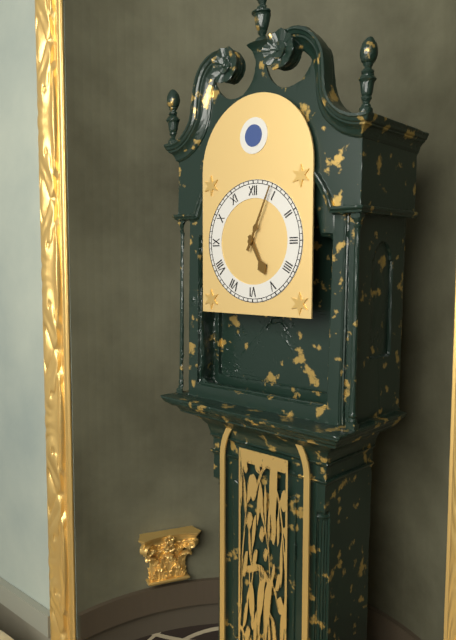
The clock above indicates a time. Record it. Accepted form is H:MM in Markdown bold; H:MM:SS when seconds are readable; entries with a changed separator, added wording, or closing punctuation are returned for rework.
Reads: **5:04**
